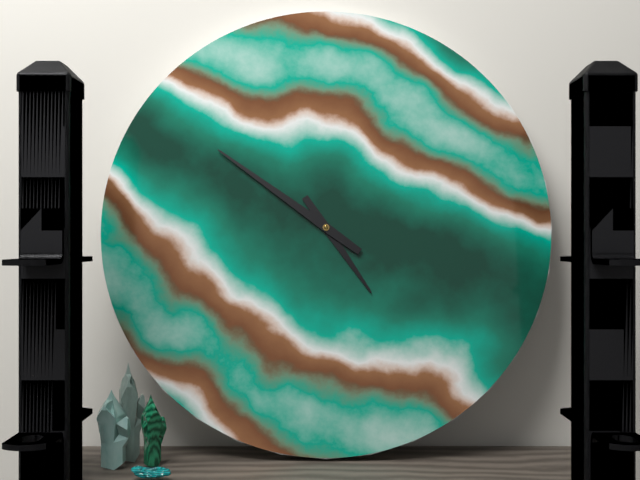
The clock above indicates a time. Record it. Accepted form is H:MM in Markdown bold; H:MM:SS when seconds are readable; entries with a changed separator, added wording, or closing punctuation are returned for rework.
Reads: **4:51**
